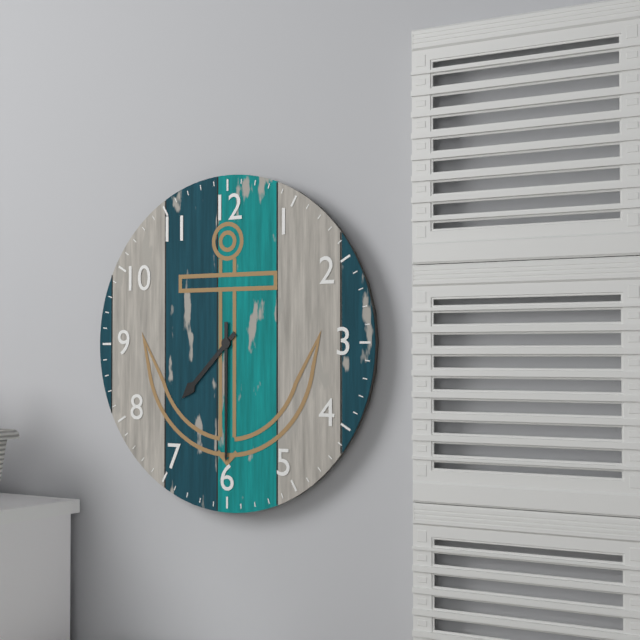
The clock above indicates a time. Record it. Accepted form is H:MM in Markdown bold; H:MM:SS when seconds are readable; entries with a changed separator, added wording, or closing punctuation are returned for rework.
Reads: **7:30**
